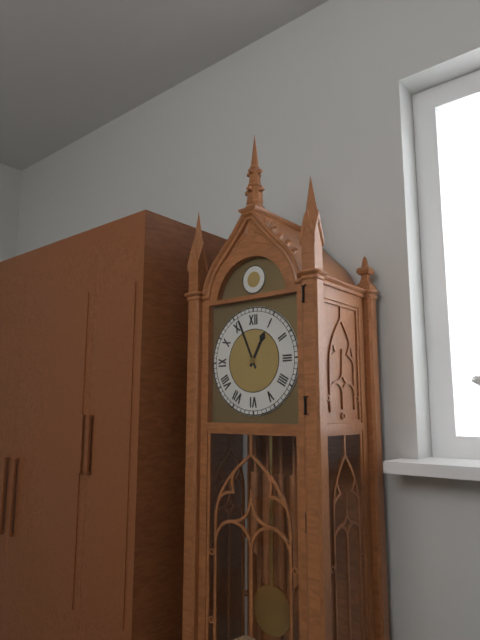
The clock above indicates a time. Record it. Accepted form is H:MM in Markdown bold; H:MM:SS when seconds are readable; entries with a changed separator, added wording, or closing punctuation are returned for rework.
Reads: **12:56**
